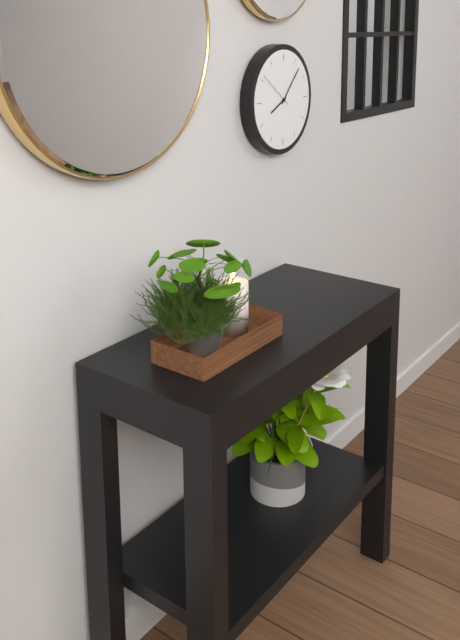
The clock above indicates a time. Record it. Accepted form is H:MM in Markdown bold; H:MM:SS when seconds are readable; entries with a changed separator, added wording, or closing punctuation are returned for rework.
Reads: **8:07**
